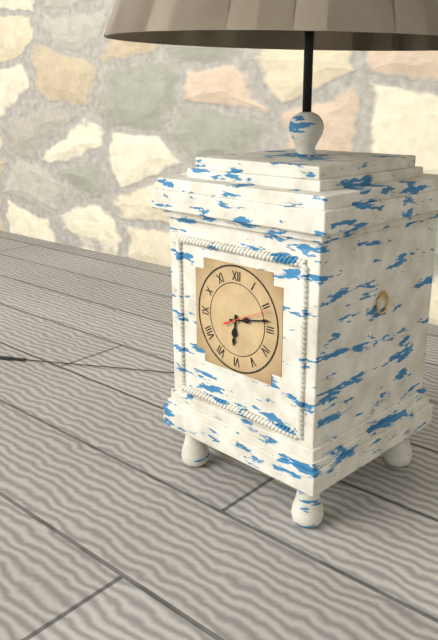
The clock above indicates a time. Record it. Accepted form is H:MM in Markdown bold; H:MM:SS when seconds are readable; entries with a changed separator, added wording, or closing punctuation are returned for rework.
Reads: **6:13**
